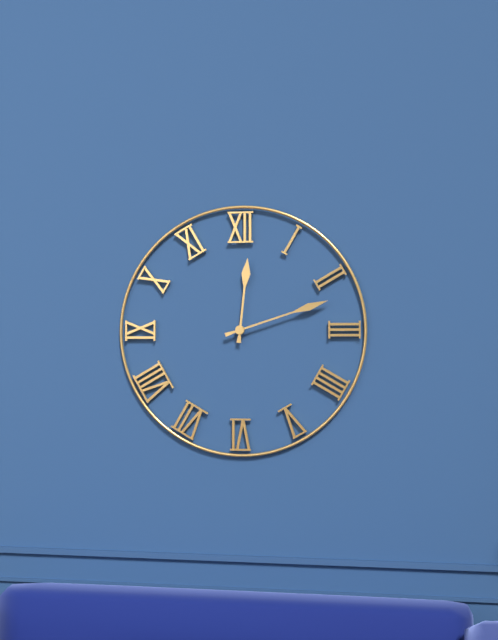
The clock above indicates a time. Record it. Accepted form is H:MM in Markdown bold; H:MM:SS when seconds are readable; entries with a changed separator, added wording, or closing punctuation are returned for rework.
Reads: **12:12**
